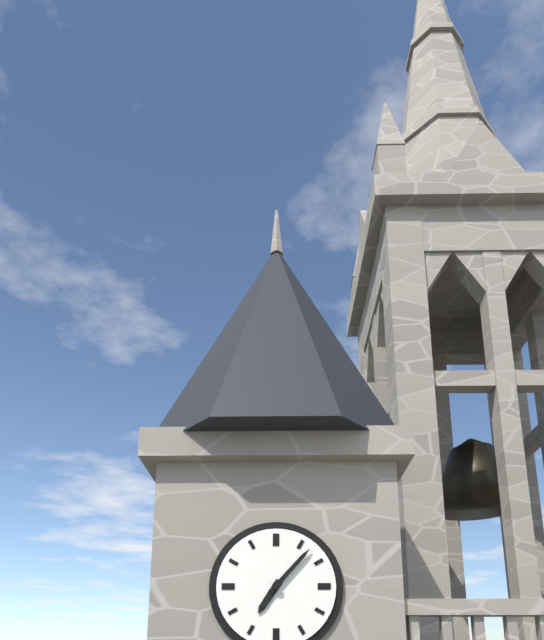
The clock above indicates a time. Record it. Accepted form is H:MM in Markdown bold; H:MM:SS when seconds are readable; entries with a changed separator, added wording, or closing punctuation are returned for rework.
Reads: **7:07**
